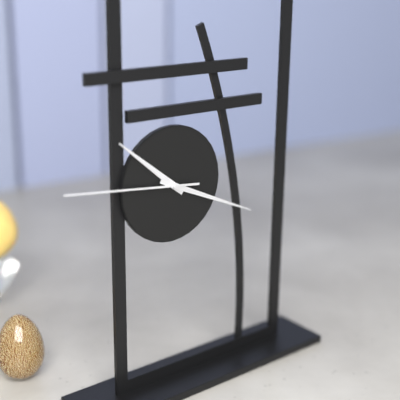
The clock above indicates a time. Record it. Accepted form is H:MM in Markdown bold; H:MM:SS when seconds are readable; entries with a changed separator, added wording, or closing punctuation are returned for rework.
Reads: **10:19:46**
